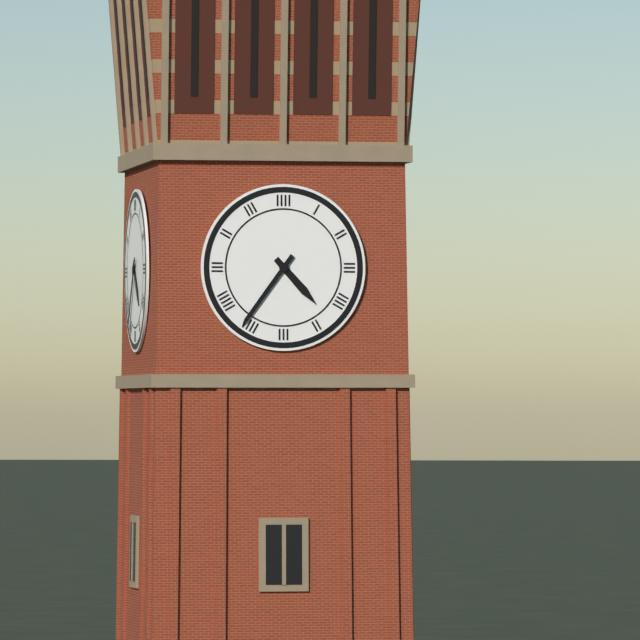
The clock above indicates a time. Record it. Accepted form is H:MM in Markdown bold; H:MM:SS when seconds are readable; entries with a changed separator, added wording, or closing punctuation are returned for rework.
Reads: **4:36**
